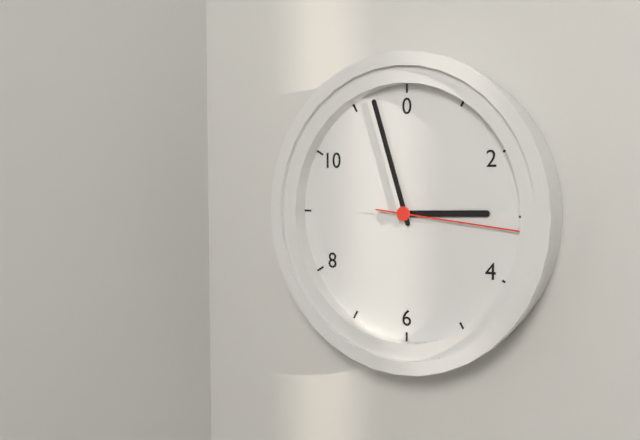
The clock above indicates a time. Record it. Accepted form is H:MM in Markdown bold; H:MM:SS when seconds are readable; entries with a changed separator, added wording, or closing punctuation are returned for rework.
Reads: **2:57:16**
